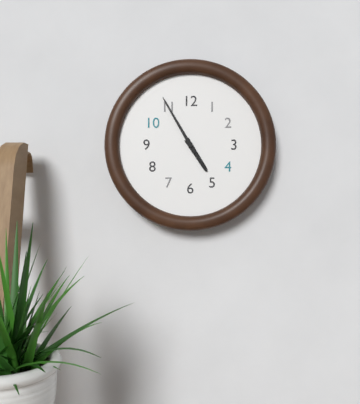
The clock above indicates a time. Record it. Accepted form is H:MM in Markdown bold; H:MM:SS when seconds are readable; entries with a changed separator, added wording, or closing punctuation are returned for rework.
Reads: **4:55**
